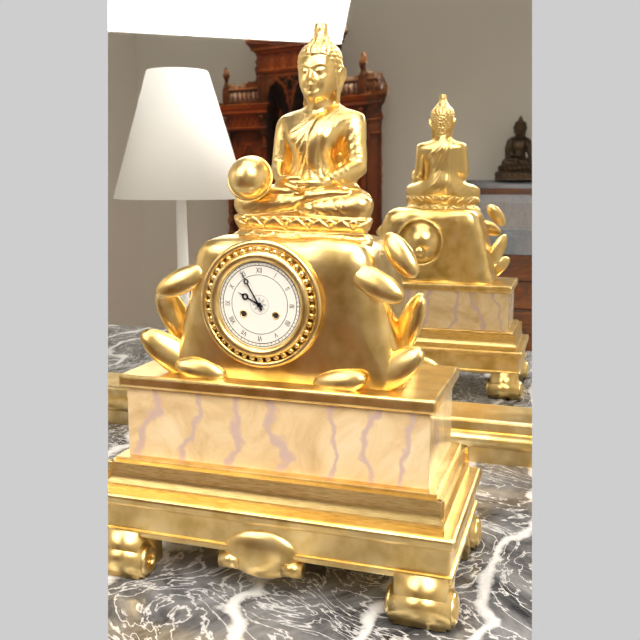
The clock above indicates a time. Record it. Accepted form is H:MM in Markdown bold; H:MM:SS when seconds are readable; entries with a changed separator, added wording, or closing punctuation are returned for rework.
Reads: **9:55**
